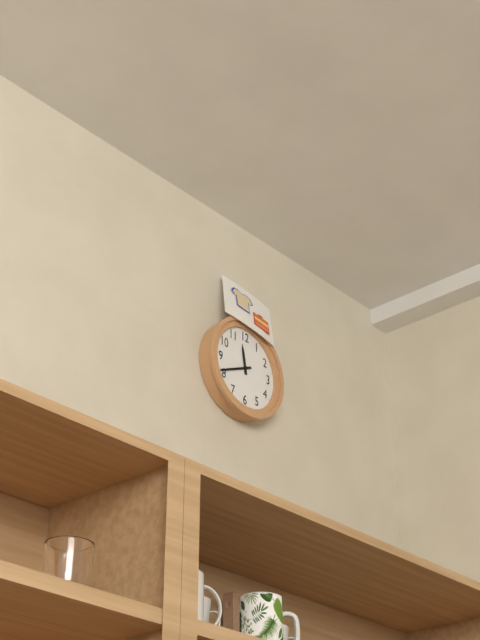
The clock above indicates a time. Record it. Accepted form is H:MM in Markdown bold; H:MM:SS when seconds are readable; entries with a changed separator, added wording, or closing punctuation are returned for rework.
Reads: **11:41**
